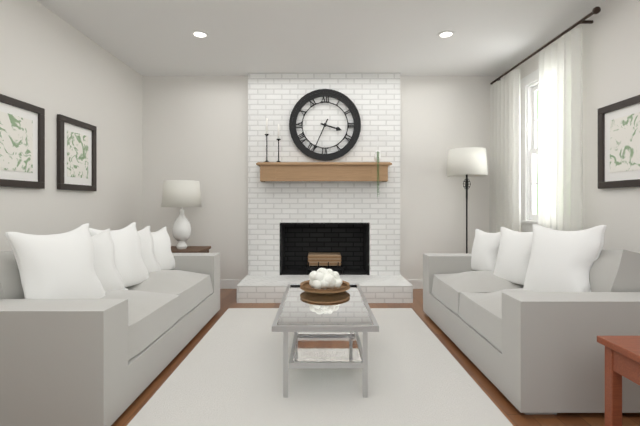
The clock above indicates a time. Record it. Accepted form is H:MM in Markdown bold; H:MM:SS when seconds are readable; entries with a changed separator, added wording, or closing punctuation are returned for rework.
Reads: **3:34**
